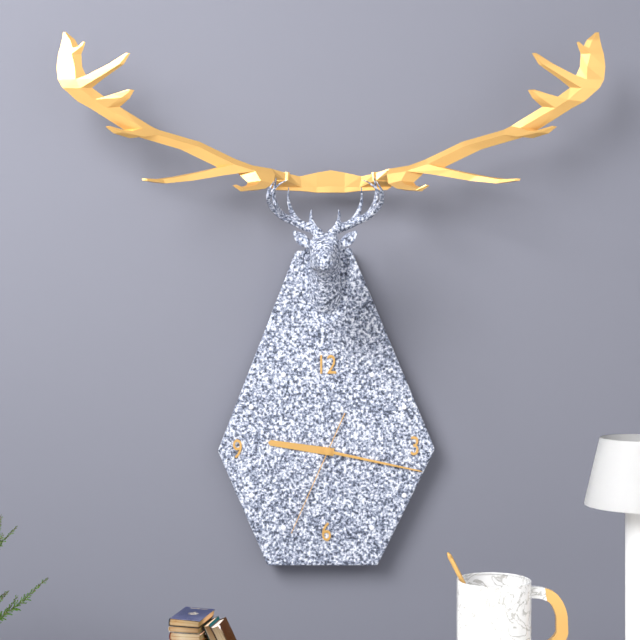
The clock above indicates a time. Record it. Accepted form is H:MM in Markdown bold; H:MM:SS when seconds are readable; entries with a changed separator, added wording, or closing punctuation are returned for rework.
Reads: **9:17:34**
